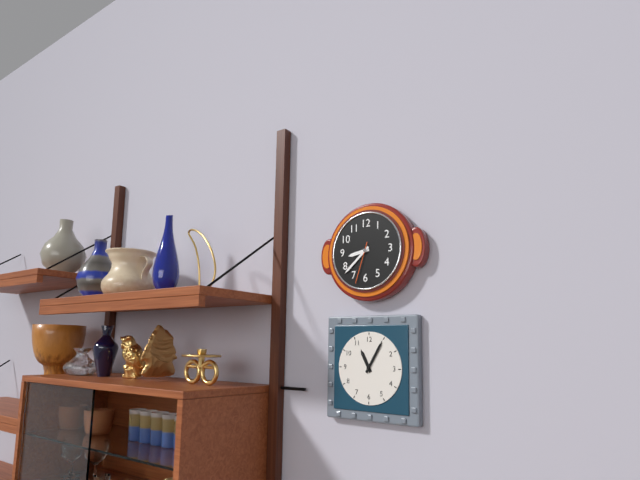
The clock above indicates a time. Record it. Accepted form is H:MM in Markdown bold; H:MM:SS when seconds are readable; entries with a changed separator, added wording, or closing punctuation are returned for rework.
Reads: **8:38**
